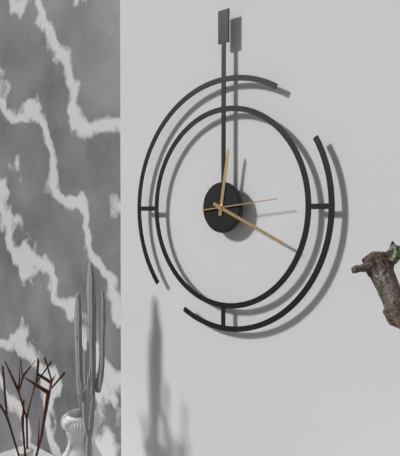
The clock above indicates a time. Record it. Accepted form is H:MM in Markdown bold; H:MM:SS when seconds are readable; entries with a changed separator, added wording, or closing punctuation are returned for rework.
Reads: **12:19:14**
